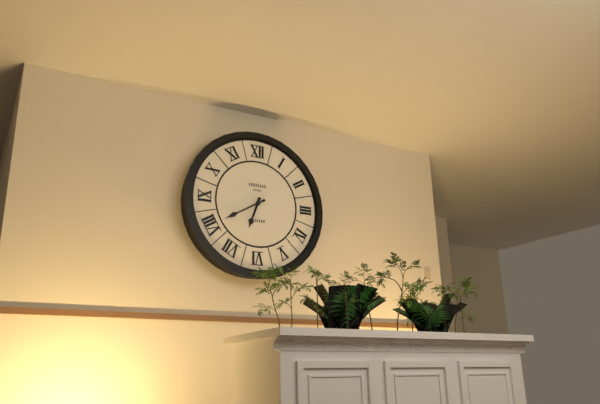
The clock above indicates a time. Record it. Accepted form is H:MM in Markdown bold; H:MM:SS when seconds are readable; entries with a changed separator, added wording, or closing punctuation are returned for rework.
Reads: **6:40**
